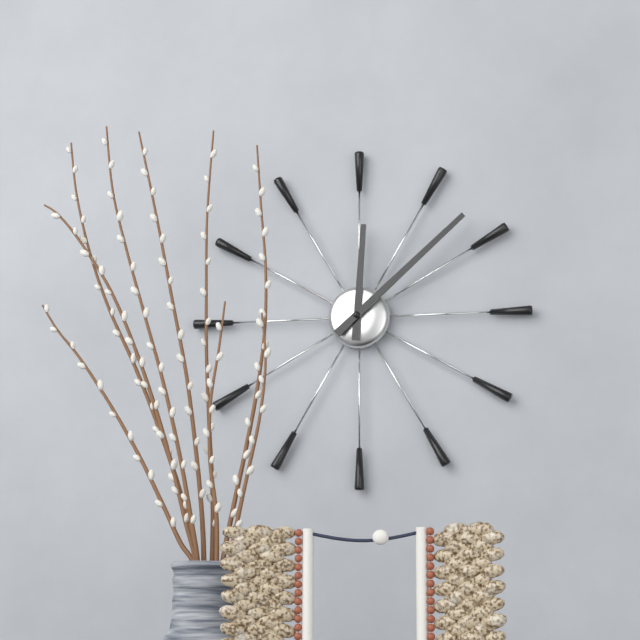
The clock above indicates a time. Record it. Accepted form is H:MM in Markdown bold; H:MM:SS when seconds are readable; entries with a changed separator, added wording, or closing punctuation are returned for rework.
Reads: **12:08**
